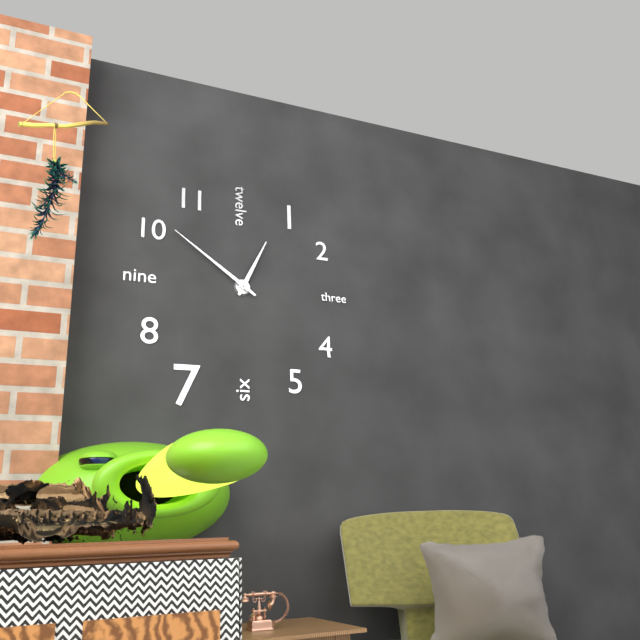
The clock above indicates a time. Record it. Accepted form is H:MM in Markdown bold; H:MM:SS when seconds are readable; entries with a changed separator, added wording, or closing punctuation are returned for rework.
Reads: **12:51**
